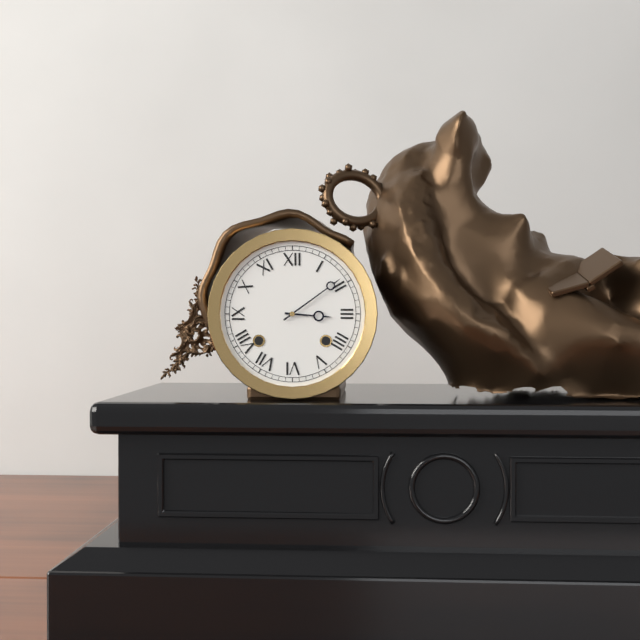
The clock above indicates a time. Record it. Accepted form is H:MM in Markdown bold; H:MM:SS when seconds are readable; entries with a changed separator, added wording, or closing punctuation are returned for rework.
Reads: **3:09**
